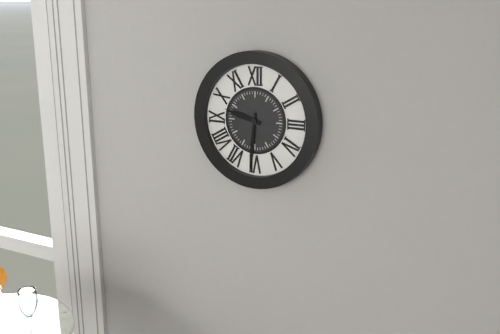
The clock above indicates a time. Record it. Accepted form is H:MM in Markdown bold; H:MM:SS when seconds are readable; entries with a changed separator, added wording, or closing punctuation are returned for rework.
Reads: **9:31**
